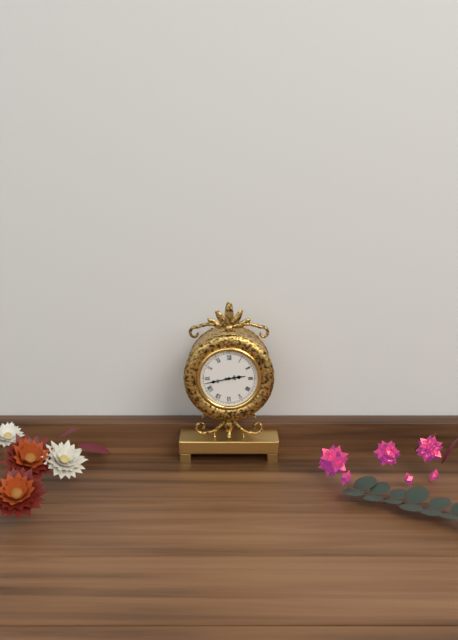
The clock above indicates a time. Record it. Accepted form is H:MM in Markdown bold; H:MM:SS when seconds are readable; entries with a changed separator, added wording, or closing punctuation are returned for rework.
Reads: **2:43**
